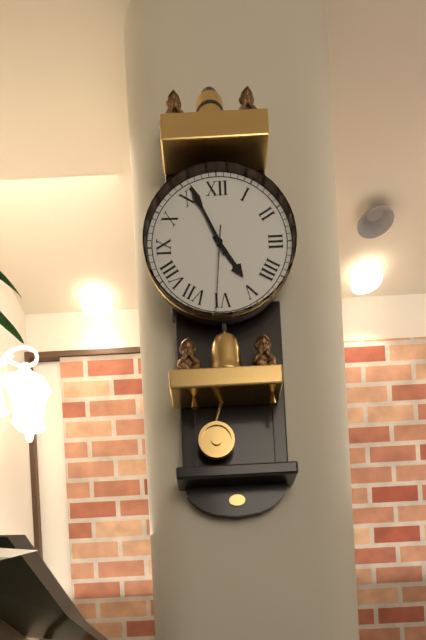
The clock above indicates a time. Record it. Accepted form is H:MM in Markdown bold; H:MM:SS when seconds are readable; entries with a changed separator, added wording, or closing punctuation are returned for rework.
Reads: **4:56:31**
